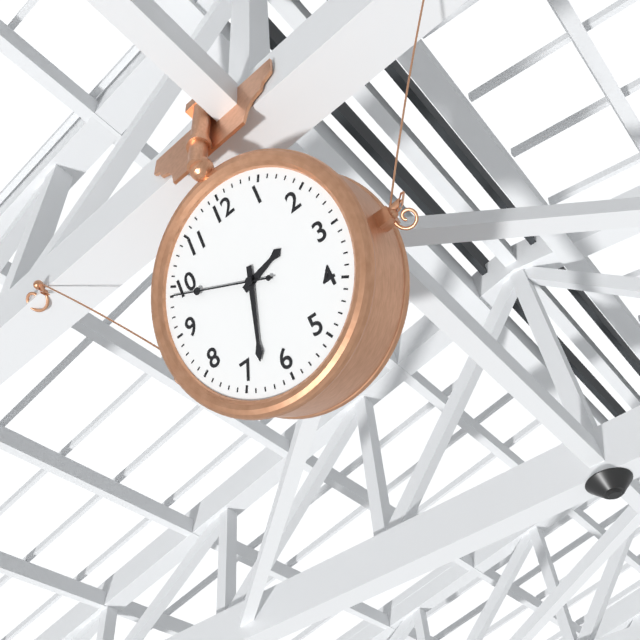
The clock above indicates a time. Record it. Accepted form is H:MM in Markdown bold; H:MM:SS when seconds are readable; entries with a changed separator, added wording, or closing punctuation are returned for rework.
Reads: **2:33:49**
